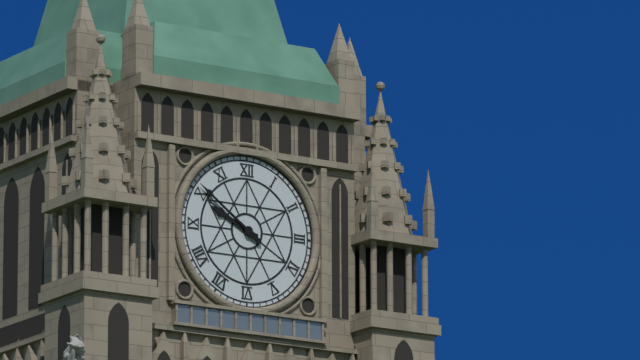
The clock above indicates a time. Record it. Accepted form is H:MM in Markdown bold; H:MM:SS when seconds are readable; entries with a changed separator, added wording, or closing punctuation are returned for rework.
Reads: **9:51**
